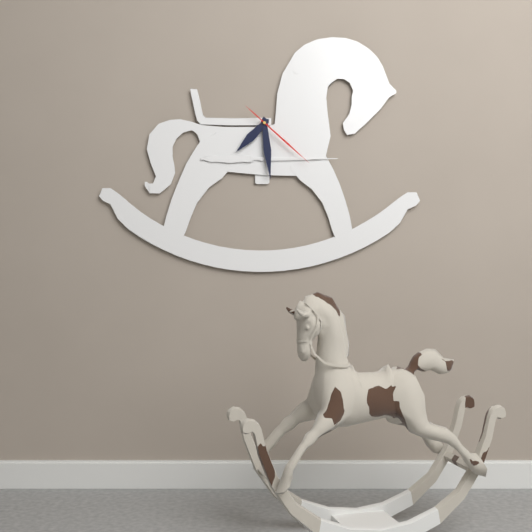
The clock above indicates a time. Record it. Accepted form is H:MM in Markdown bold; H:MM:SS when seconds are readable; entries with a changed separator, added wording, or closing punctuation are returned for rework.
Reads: **7:29:22**
